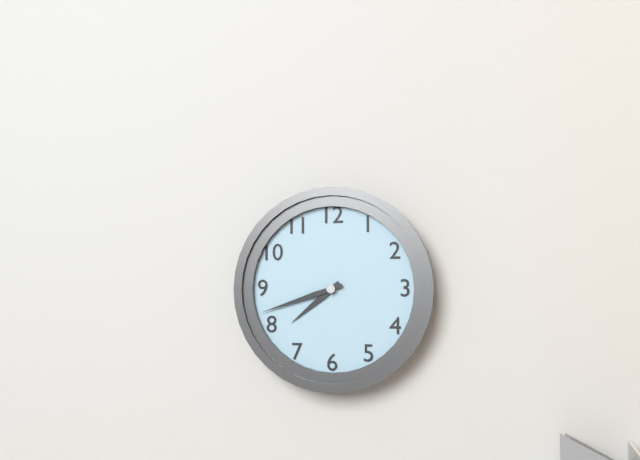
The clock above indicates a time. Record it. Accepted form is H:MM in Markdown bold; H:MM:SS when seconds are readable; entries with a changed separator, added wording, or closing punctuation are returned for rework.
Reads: **7:42**
